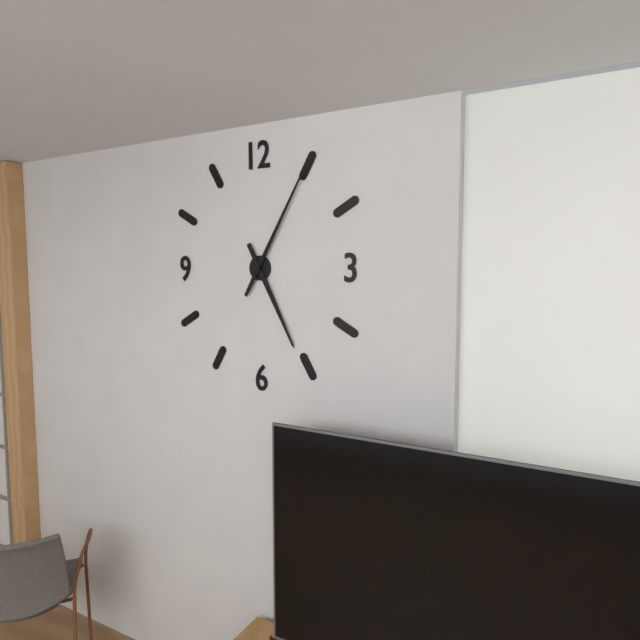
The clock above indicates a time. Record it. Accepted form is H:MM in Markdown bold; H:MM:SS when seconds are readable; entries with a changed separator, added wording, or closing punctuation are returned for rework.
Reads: **5:05**
